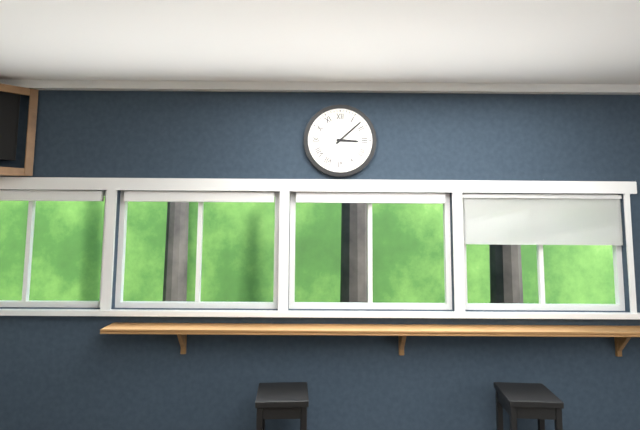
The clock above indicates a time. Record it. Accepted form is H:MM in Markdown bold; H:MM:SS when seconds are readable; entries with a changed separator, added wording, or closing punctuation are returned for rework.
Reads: **3:08**
